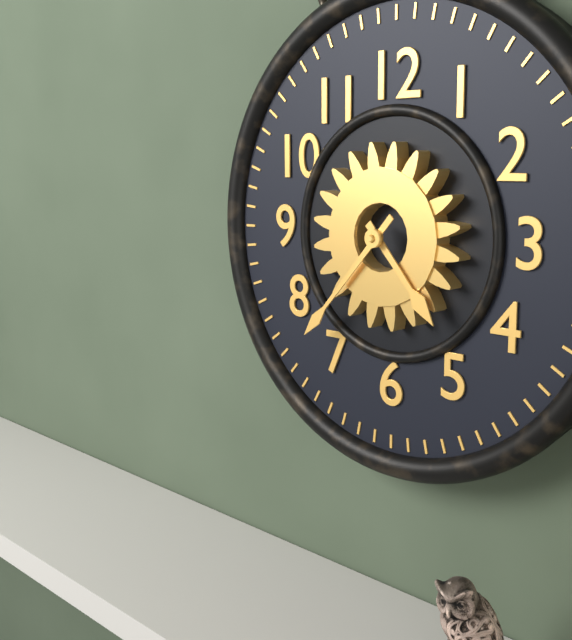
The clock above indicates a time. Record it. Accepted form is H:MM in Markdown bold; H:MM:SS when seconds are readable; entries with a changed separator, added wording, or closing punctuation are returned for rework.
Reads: **4:37**
